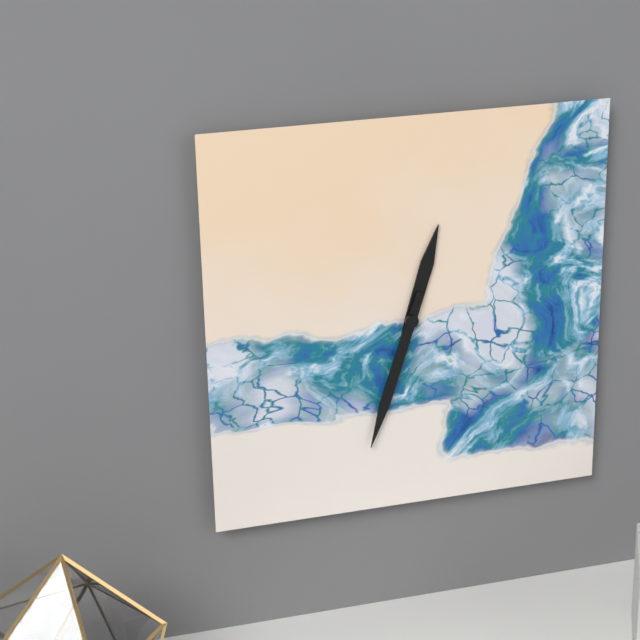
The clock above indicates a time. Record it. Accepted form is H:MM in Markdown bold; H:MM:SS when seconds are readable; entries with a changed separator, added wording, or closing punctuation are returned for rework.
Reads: **12:33**
